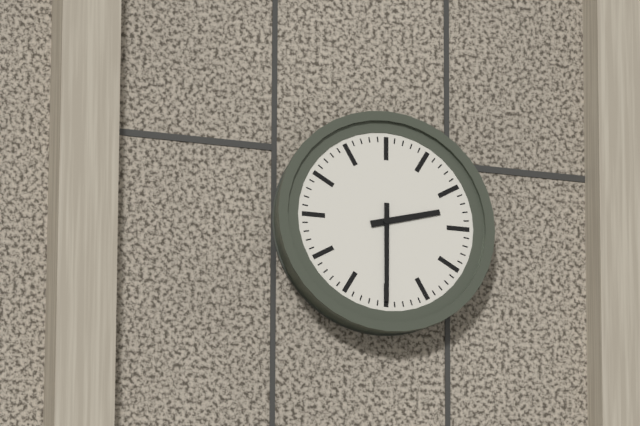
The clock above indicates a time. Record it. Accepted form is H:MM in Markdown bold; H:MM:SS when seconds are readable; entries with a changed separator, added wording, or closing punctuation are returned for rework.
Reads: **2:30**
